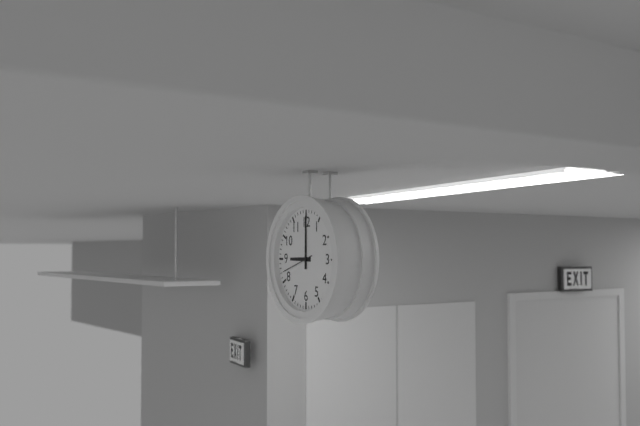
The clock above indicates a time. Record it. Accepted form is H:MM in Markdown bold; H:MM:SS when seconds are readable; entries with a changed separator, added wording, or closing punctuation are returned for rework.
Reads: **9:00**
